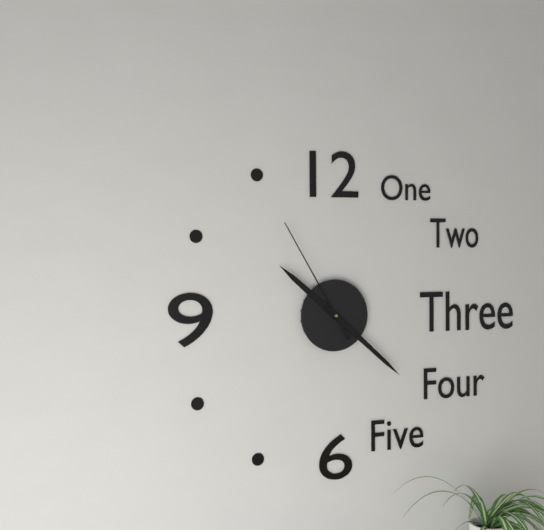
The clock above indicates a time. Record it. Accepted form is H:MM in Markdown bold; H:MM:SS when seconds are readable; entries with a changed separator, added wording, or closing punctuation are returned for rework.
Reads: **10:22:55**
